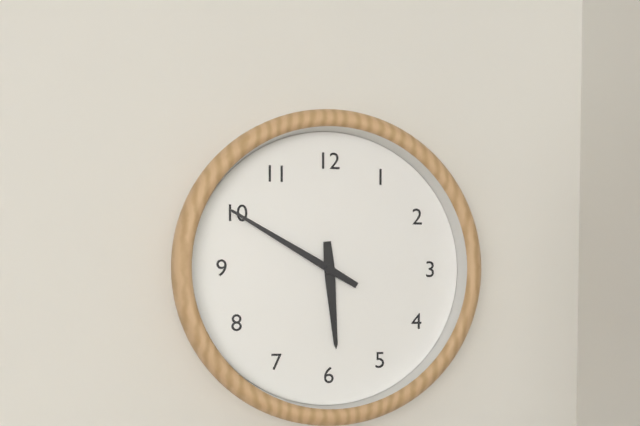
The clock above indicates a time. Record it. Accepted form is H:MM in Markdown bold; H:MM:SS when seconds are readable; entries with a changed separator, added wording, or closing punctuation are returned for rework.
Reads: **5:50**
